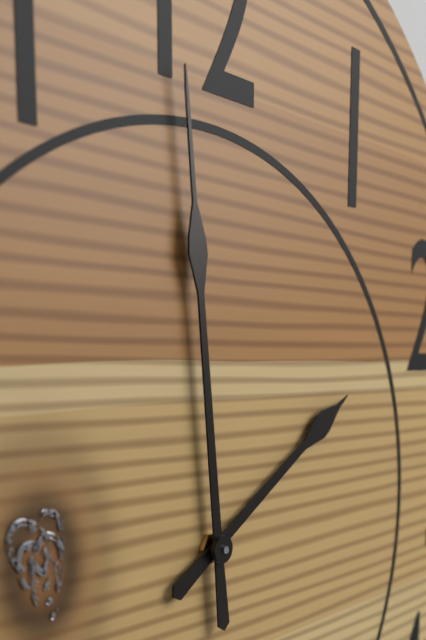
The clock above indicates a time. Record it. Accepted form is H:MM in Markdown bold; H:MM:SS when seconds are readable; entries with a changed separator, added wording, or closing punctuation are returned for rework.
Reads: **1:59**
